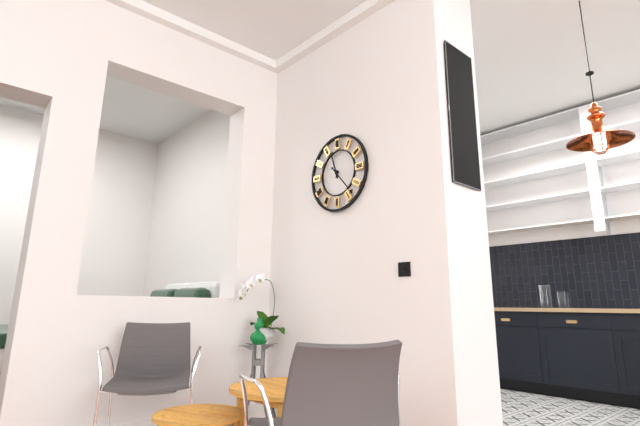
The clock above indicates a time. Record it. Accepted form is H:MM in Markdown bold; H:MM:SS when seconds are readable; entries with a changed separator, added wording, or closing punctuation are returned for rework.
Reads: **11:23**
